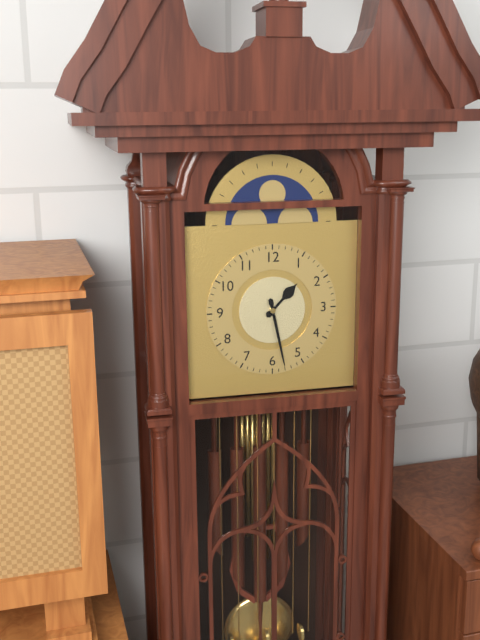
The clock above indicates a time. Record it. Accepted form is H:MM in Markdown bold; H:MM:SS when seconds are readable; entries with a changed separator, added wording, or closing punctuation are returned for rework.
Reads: **1:28**
